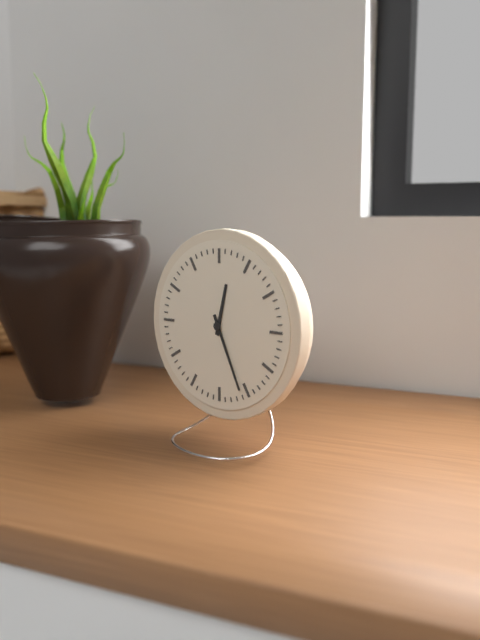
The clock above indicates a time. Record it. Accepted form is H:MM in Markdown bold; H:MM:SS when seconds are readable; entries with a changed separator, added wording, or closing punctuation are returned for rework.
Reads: **12:26**
